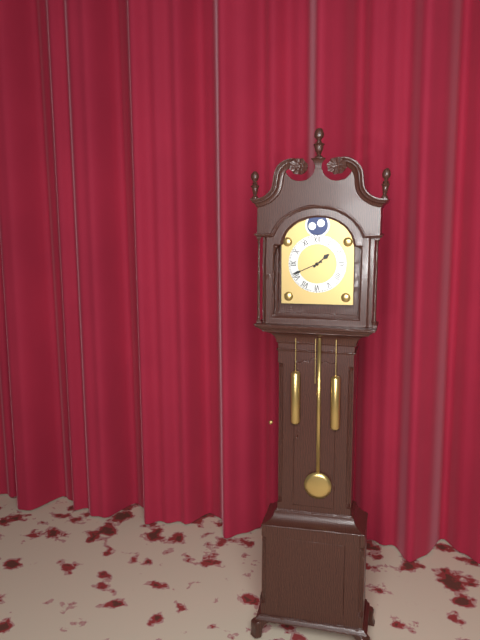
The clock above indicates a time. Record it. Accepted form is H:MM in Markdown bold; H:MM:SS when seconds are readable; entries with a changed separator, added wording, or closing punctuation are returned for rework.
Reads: **1:41**
